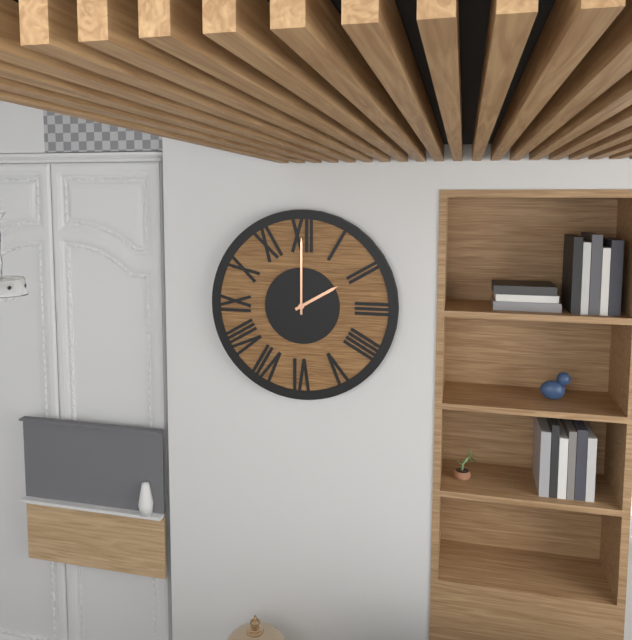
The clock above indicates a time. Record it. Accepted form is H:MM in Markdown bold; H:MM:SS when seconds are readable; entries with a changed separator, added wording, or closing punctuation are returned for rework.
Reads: **2:00**
